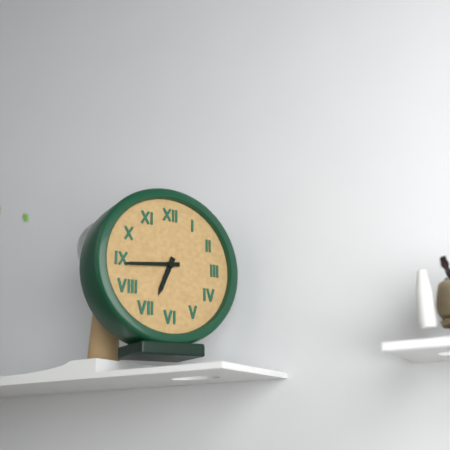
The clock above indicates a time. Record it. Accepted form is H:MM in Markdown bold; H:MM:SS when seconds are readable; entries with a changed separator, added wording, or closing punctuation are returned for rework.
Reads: **6:44**
